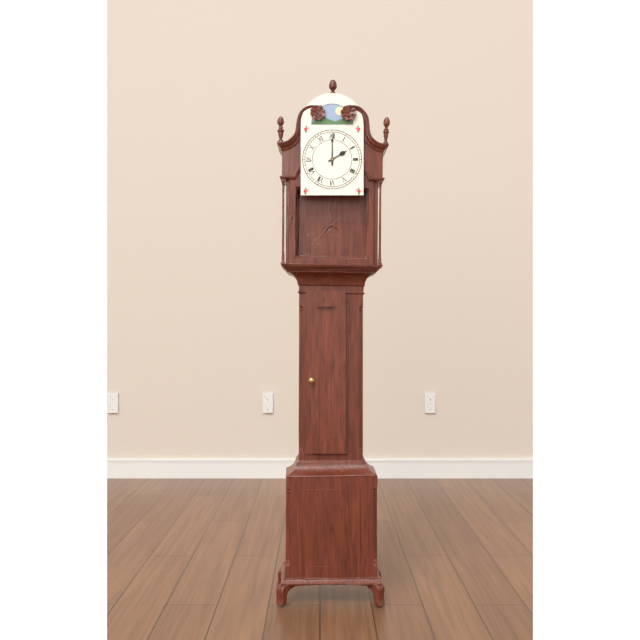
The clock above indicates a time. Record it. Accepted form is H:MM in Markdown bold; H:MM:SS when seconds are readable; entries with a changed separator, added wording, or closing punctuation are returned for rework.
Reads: **2:00**
